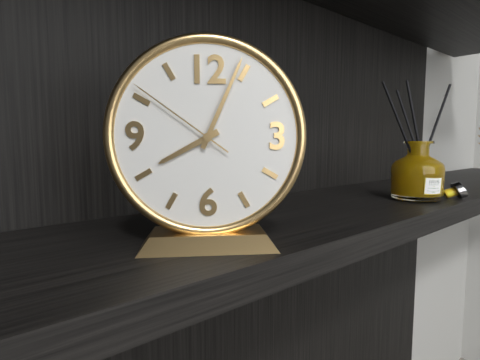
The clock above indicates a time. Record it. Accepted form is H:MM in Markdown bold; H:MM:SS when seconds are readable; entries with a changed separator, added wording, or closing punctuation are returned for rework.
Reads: **8:04:51**
